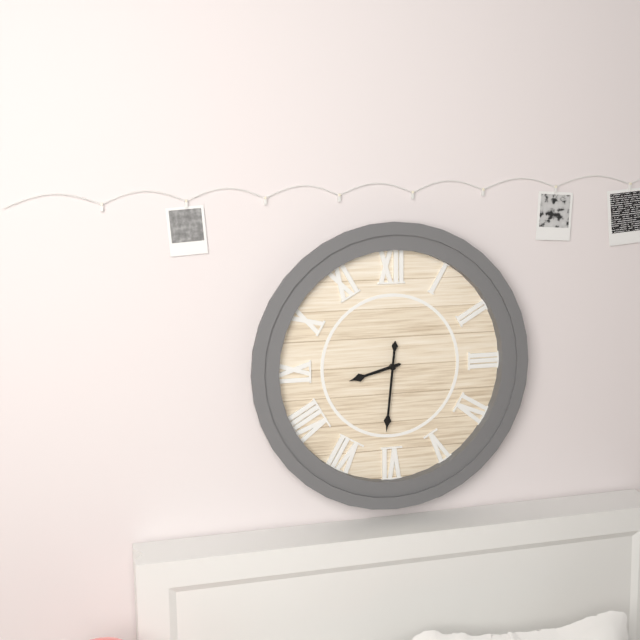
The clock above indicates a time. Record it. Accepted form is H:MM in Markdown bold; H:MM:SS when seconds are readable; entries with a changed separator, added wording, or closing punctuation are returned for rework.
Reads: **8:31**
